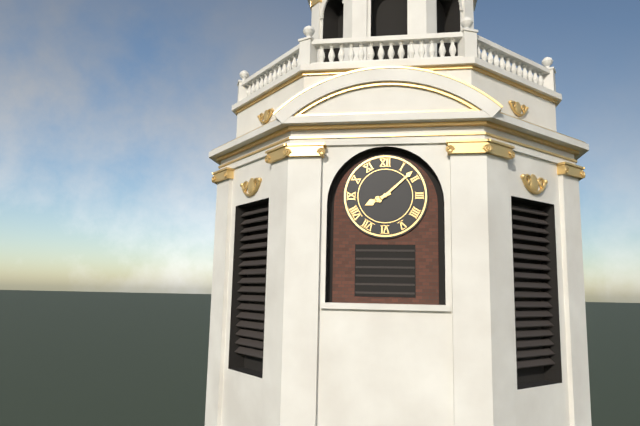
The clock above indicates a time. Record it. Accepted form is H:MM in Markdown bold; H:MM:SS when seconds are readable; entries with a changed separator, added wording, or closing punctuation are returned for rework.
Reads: **8:08**
